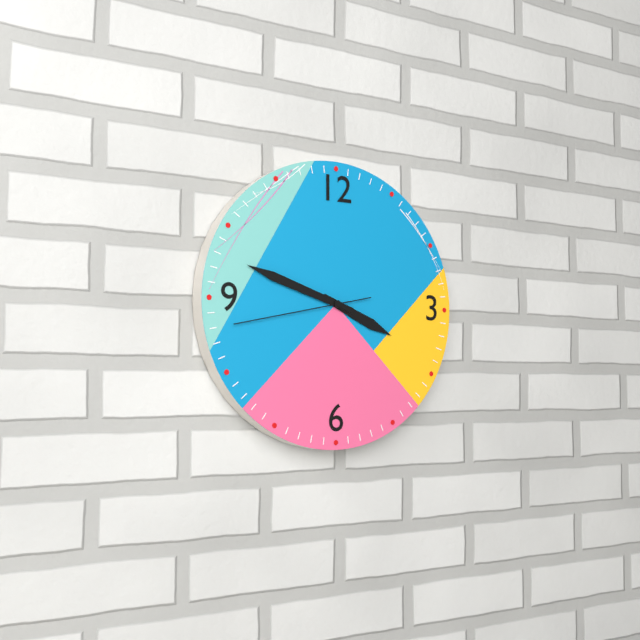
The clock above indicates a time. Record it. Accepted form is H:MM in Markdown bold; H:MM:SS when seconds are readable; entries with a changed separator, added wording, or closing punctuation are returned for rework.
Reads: **3:48:43**
